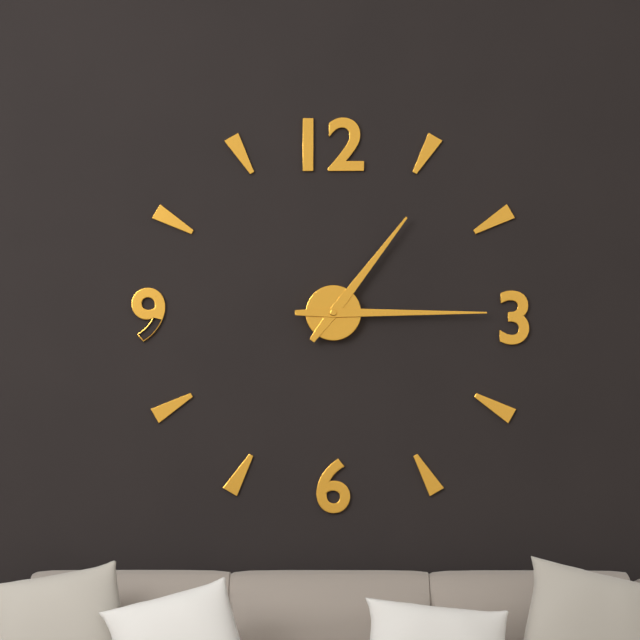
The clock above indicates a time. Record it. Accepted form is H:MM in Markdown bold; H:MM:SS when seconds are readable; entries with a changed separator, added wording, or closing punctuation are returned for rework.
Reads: **1:15**
